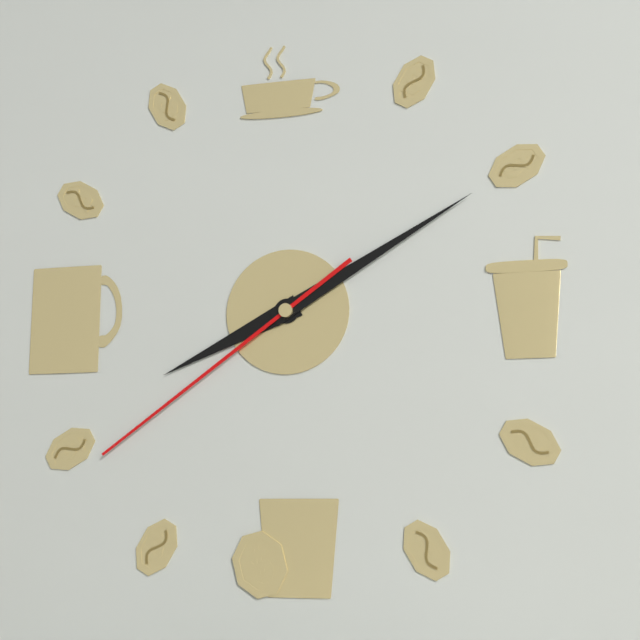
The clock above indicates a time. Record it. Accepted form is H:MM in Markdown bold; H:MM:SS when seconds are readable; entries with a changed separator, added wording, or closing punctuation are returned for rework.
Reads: **8:10:39**
